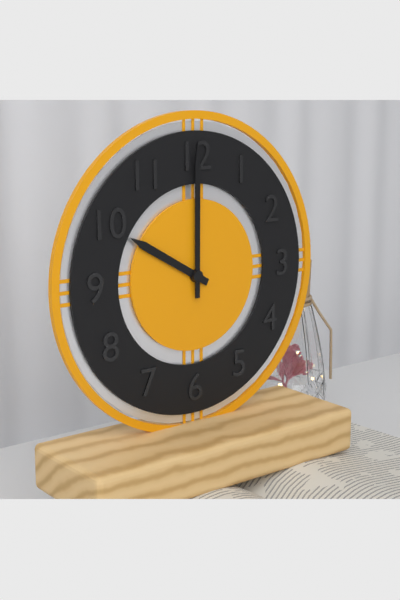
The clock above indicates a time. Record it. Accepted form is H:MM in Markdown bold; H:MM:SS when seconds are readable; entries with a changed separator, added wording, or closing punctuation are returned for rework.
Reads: **10:00**
